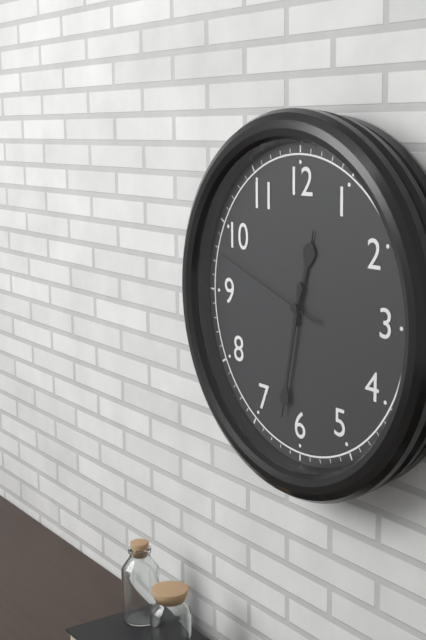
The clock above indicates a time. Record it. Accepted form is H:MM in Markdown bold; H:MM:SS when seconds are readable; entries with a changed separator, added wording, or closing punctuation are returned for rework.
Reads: **12:32:48**
